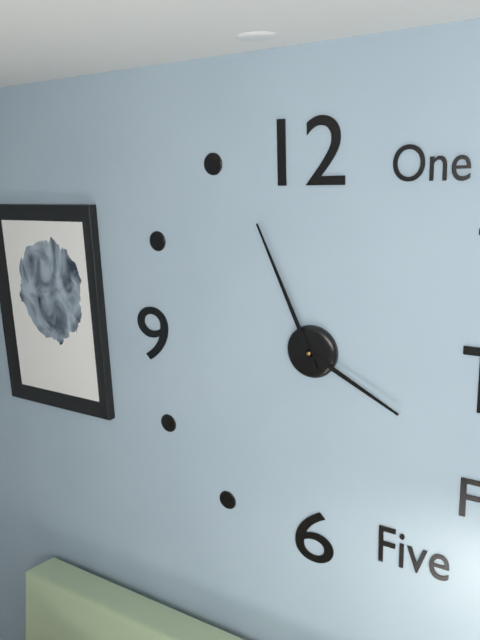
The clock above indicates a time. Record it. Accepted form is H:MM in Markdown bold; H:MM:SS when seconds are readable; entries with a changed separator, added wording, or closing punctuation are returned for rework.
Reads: **3:56**
